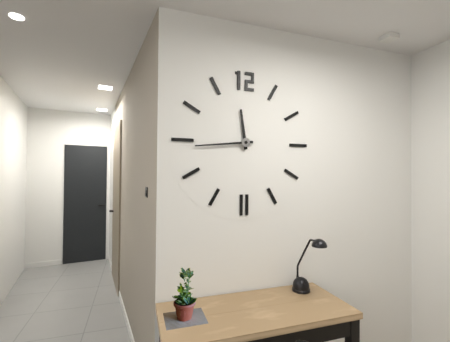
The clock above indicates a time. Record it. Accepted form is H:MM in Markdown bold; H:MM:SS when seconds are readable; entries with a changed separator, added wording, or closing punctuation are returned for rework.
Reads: **11:44**
